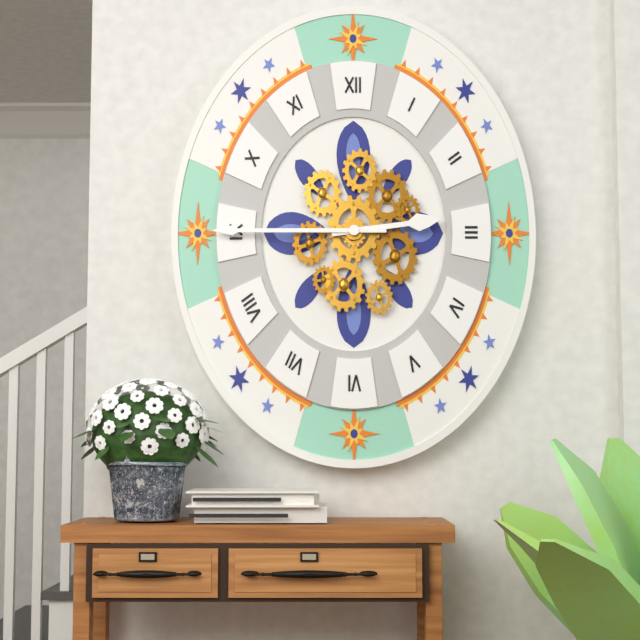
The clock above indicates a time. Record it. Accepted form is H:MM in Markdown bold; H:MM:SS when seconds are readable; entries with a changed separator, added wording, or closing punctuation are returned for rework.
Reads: **2:45**
